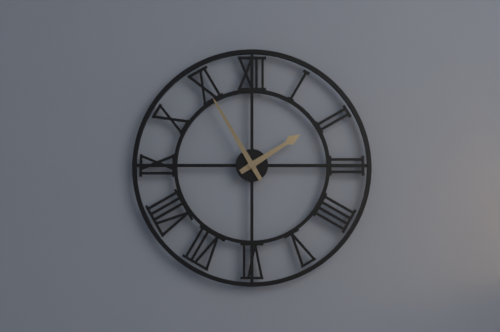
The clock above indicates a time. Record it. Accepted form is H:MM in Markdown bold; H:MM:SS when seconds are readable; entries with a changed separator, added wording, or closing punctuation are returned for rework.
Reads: **1:55**
